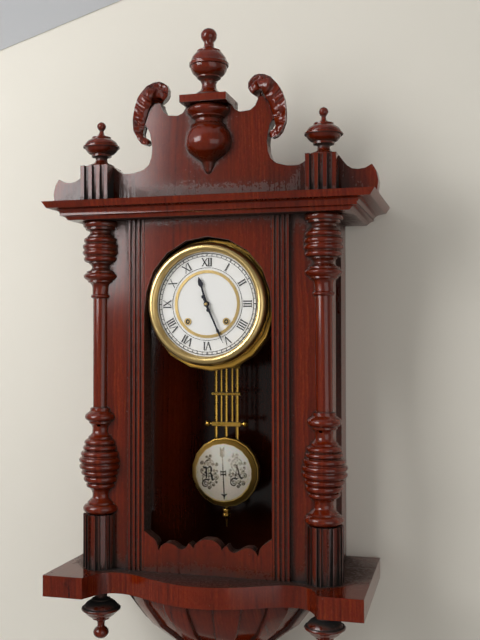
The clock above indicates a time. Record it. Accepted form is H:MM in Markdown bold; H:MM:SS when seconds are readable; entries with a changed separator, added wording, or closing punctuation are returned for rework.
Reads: **11:26**
